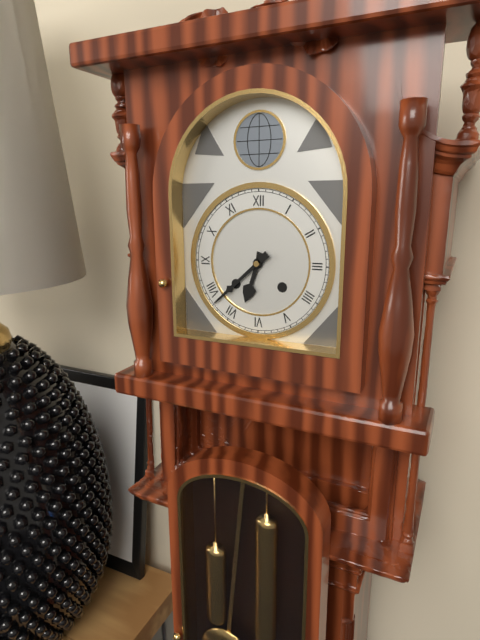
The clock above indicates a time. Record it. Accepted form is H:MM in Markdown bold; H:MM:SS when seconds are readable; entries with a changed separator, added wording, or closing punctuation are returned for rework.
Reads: **6:38**
